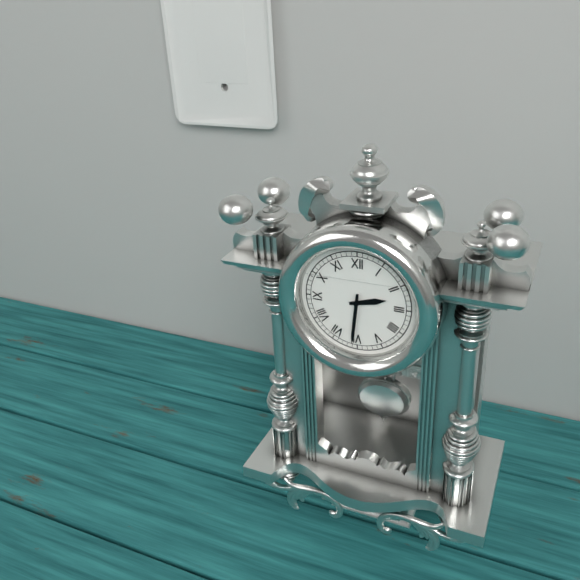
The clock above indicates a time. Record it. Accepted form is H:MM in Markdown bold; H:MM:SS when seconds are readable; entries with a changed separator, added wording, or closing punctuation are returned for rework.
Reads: **2:31**
